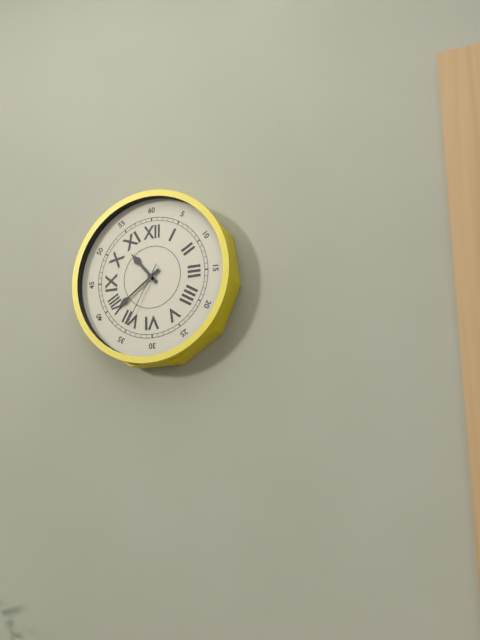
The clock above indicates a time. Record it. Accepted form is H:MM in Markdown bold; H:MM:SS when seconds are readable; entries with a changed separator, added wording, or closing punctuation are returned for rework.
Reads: **10:39:35**
